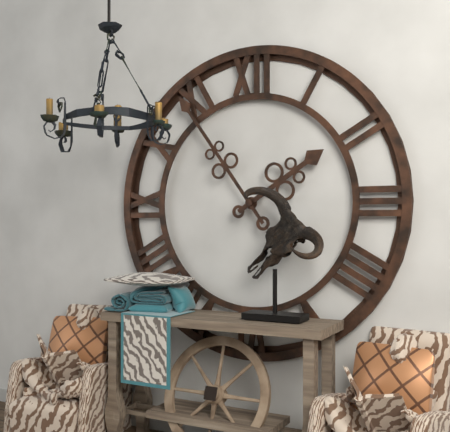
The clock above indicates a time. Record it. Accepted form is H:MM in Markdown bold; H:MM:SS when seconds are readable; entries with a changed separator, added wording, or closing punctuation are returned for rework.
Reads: **1:54**
